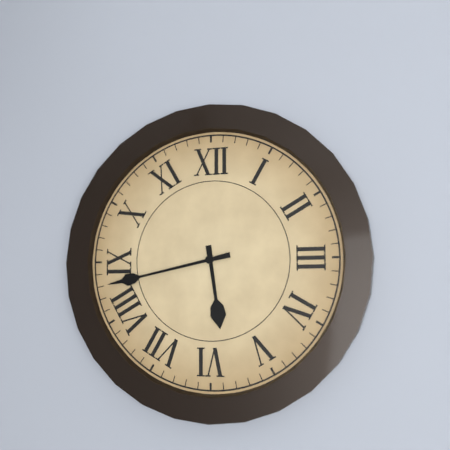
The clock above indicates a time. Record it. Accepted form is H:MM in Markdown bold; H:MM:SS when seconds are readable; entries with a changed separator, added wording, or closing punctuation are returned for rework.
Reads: **5:43**
